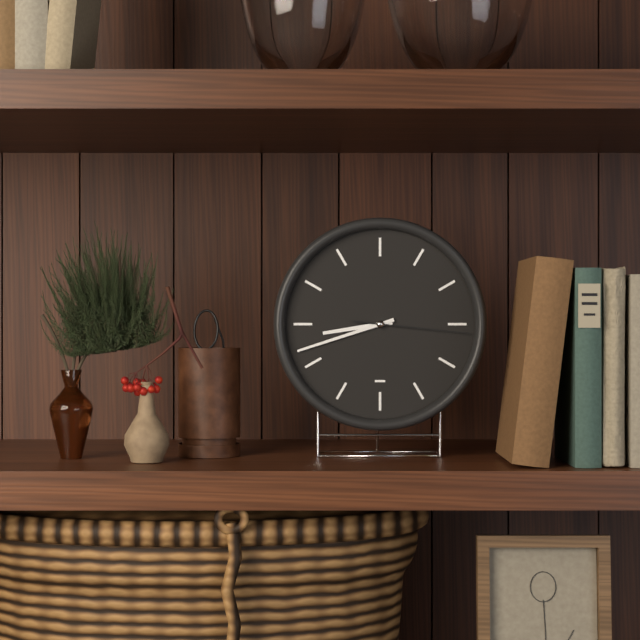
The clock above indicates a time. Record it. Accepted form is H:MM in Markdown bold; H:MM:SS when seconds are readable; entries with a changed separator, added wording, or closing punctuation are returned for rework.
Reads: **8:42:16**
